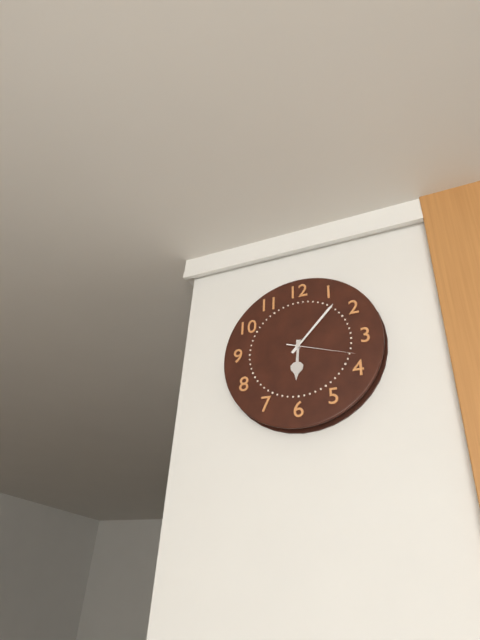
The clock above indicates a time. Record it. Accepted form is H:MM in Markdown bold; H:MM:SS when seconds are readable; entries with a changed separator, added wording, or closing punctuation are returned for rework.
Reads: **6:07:18**
